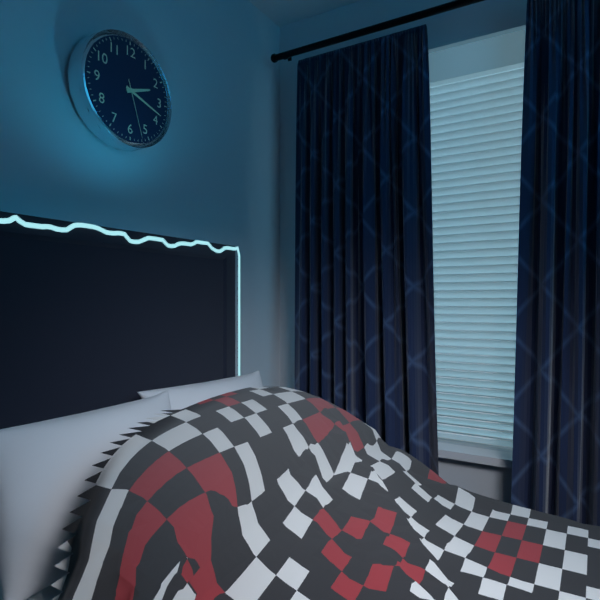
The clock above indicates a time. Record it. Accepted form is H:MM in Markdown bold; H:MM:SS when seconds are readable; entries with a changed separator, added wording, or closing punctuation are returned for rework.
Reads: **2:18:27**
